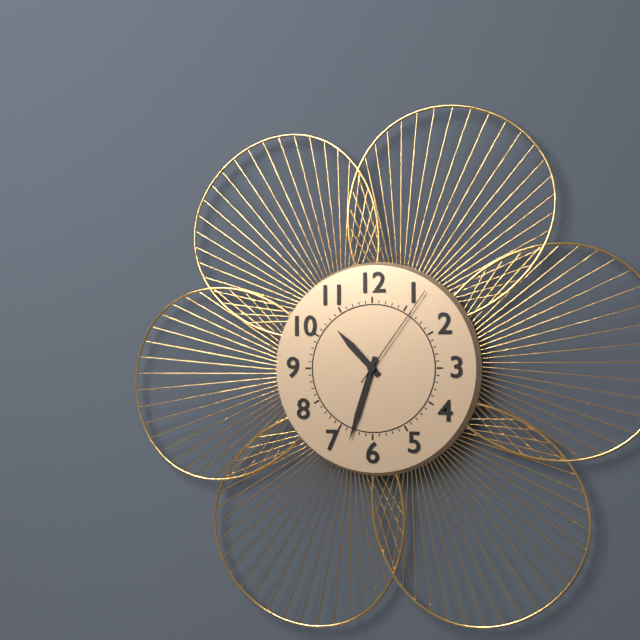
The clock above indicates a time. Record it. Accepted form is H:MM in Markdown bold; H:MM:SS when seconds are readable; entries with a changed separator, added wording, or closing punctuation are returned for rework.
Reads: **10:33:06**
